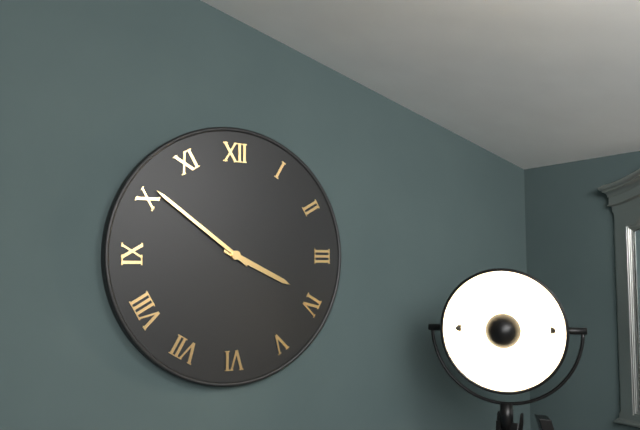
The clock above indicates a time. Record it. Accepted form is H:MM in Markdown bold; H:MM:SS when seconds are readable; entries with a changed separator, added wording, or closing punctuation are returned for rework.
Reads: **3:51**
